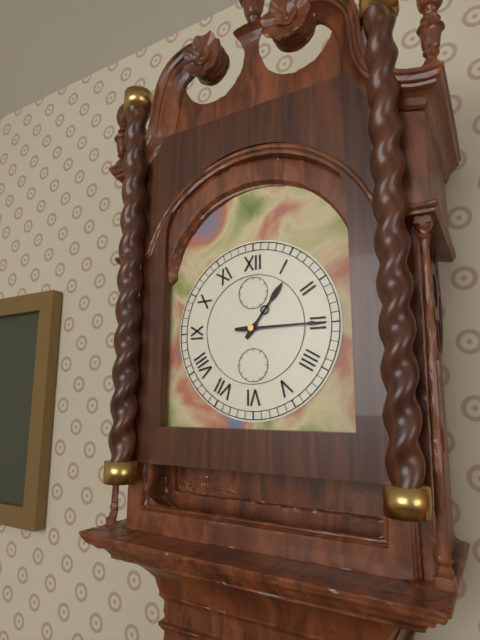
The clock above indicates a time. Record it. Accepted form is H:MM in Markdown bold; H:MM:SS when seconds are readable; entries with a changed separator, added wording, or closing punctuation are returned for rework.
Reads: **1:15**
